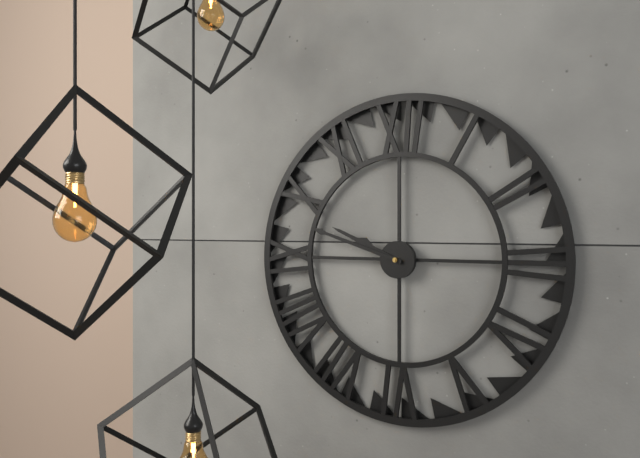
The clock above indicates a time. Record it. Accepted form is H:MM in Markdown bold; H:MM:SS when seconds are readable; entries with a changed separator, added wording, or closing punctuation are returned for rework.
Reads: **9:48**
